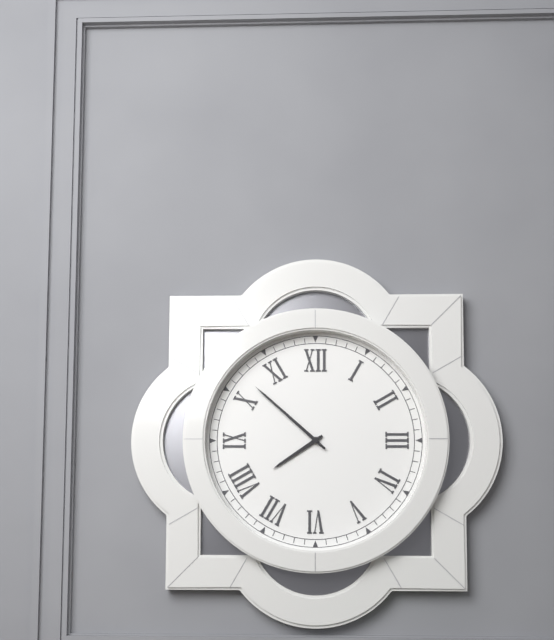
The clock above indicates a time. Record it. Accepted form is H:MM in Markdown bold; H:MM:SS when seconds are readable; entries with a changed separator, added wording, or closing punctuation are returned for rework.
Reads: **7:52**
